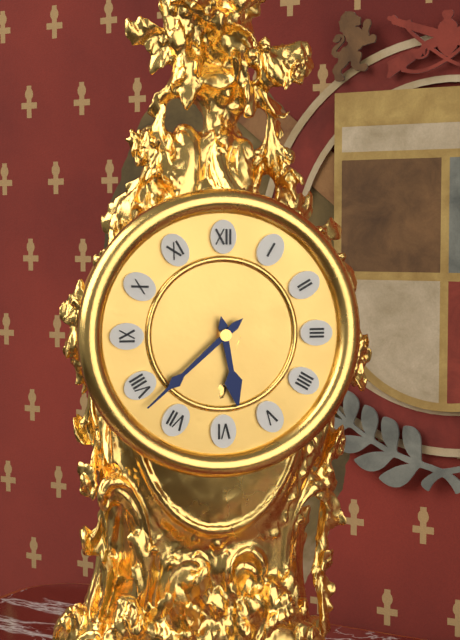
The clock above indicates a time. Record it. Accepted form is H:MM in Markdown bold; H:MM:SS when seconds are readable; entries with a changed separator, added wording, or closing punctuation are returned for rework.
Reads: **5:38**
